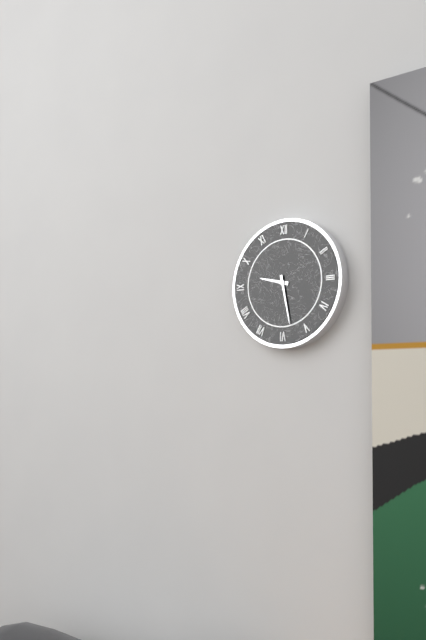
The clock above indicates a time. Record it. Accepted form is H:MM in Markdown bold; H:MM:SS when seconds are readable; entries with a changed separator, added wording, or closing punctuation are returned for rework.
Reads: **9:28**
